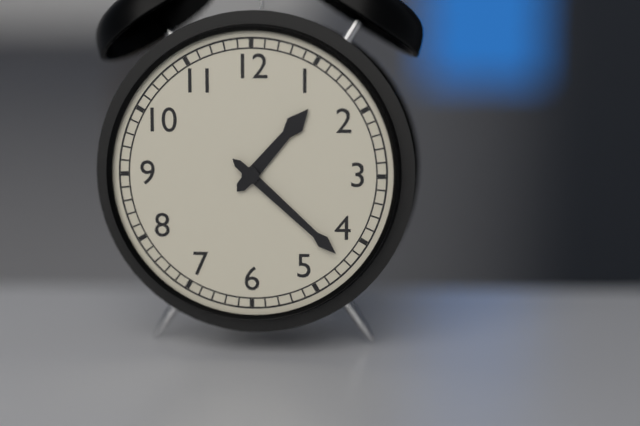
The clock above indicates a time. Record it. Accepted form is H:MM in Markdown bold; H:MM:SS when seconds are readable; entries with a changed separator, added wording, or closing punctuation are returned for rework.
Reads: **1:22**
